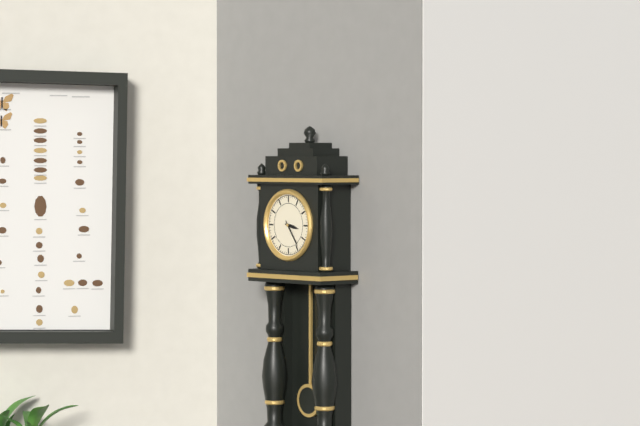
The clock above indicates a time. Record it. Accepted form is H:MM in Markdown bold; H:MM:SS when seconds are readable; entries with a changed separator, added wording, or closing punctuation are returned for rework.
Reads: **3:24**
